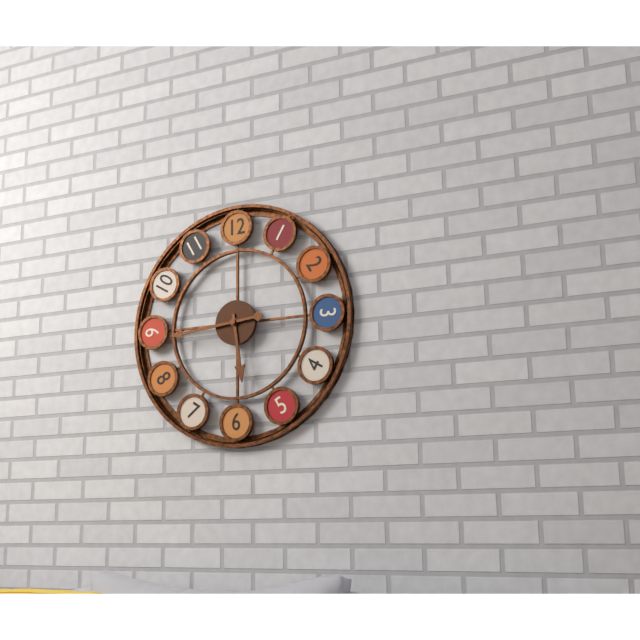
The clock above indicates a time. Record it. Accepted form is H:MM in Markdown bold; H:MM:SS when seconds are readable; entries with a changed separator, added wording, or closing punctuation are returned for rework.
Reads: **5:44**
